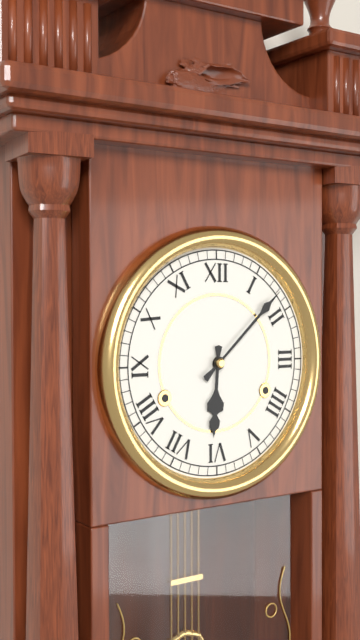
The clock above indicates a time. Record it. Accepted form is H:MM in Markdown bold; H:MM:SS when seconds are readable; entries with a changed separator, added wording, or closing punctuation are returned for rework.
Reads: **6:08**
